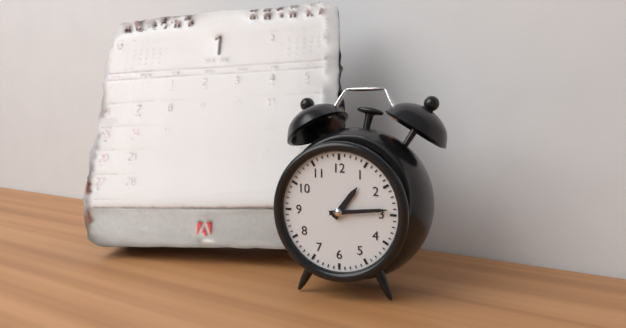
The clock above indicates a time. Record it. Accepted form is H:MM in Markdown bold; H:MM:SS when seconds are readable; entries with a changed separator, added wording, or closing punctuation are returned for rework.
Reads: **1:14**
